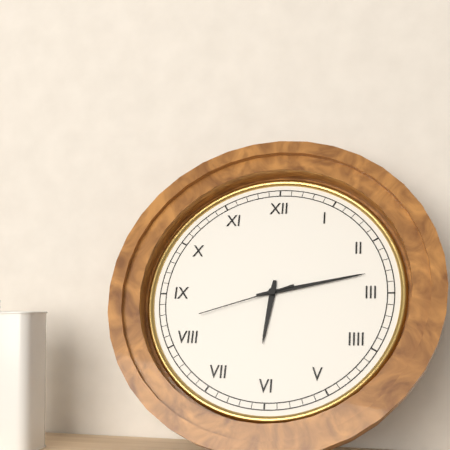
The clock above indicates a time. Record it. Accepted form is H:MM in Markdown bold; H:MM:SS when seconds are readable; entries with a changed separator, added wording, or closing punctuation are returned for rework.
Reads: **6:13:42**
